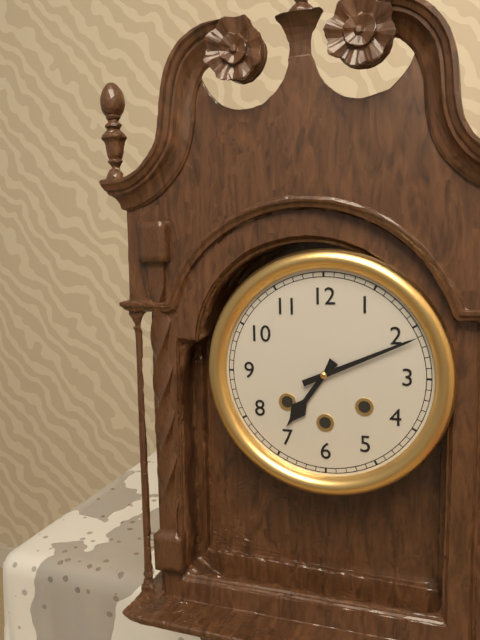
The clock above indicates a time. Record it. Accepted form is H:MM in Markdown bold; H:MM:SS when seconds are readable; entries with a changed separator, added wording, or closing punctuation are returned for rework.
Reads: **7:11**
